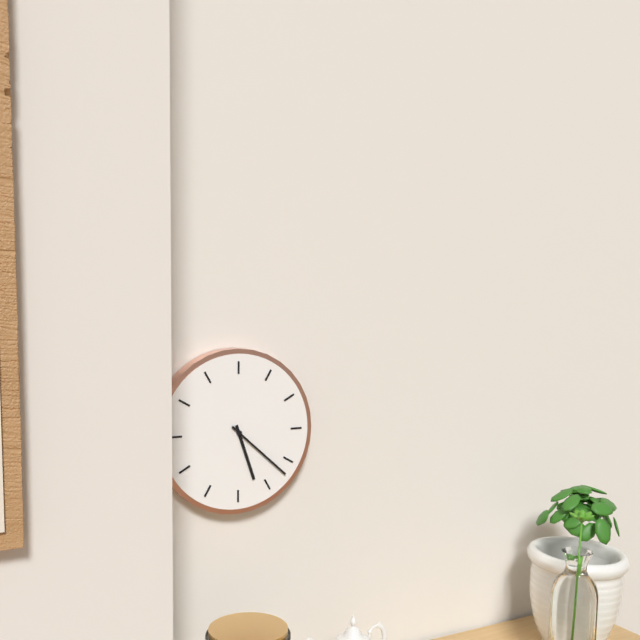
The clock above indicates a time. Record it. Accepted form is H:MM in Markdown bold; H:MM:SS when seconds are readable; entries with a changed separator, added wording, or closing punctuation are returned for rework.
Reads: **5:22**
